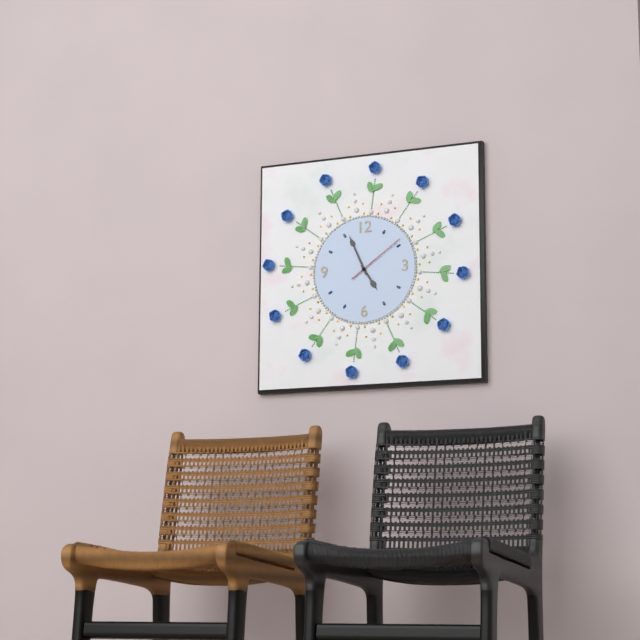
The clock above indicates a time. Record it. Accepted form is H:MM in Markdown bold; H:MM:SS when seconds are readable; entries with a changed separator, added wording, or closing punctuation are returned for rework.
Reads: **4:56:09**
